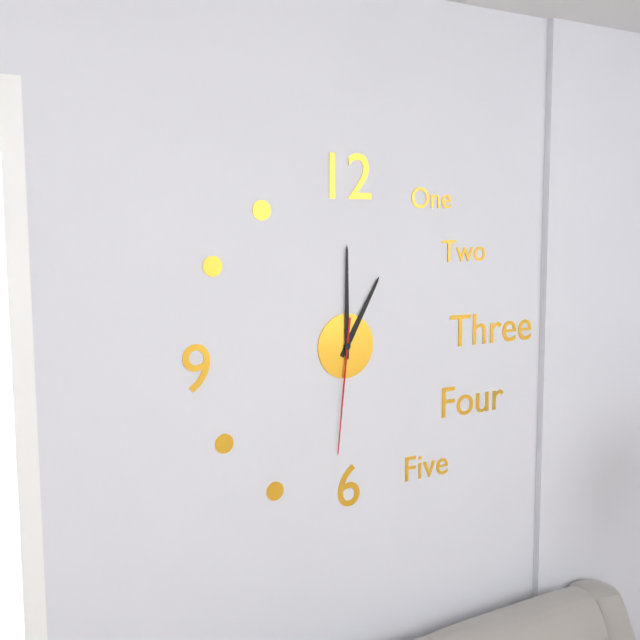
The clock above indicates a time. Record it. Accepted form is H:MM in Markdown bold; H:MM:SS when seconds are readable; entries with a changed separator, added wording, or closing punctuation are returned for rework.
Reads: **1:00:31**
